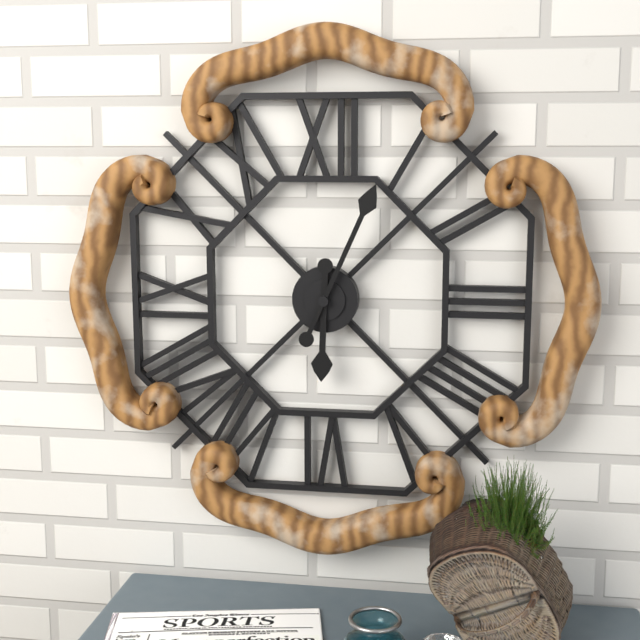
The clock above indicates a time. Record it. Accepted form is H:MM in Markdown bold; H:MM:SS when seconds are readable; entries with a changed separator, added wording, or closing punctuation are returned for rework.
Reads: **6:04**
